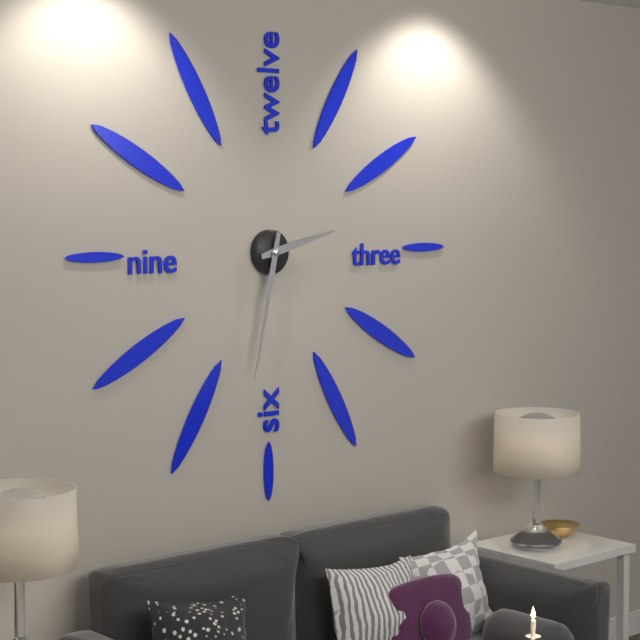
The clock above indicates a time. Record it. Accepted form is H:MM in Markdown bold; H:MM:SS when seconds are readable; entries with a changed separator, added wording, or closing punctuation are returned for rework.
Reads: **2:32**
